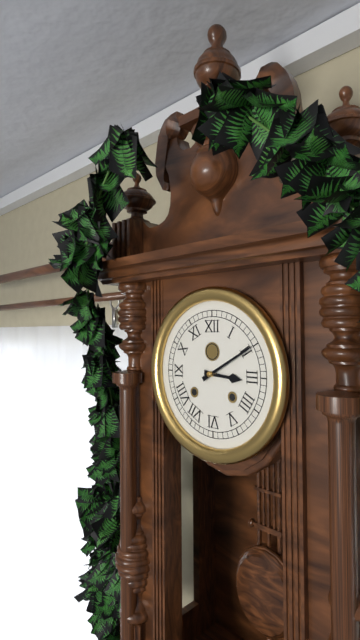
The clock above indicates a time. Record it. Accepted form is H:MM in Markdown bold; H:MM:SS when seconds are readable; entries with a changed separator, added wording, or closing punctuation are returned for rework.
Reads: **3:10**
